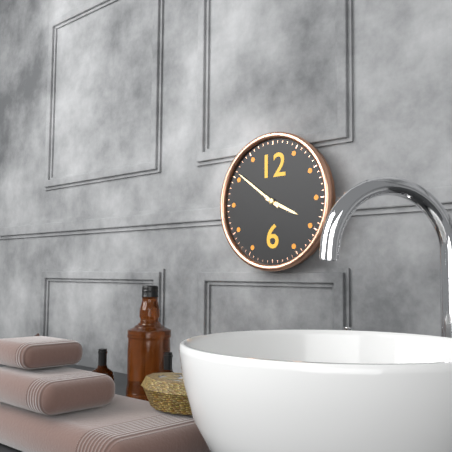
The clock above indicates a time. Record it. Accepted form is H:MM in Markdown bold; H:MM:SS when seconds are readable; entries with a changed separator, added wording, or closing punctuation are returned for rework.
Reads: **3:51**
